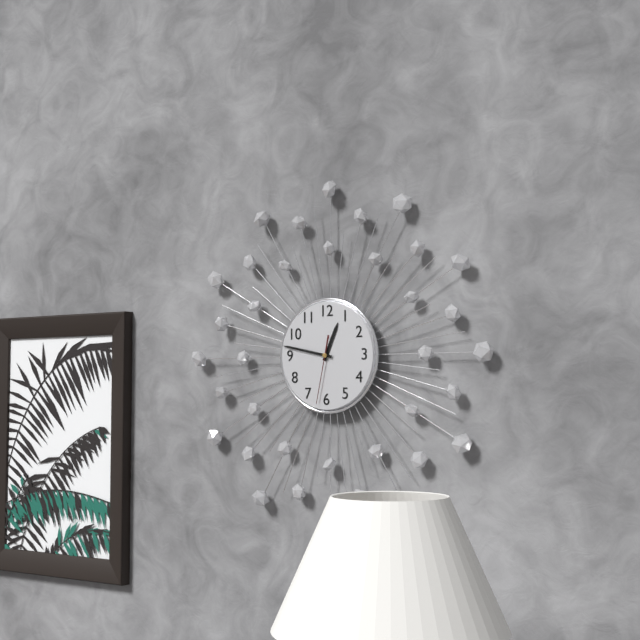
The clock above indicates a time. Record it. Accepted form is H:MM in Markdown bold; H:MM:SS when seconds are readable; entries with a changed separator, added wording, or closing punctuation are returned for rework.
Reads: **12:47:32**
